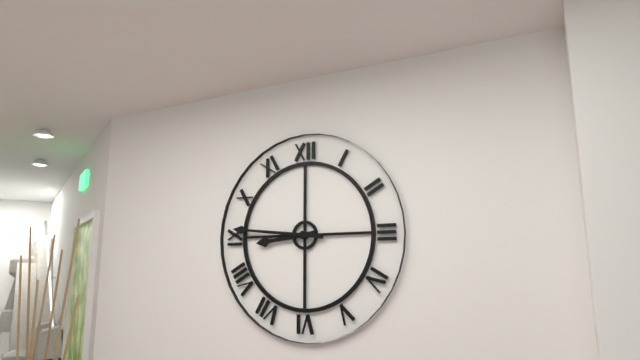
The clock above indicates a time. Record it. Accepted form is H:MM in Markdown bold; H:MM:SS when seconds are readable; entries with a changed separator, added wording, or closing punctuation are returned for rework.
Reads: **8:46**
